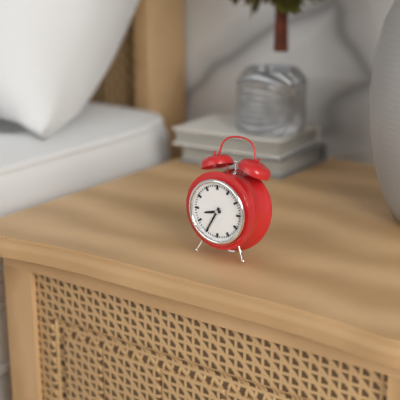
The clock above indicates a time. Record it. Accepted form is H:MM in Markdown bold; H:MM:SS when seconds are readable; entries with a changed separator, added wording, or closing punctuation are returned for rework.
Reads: **8:35**
